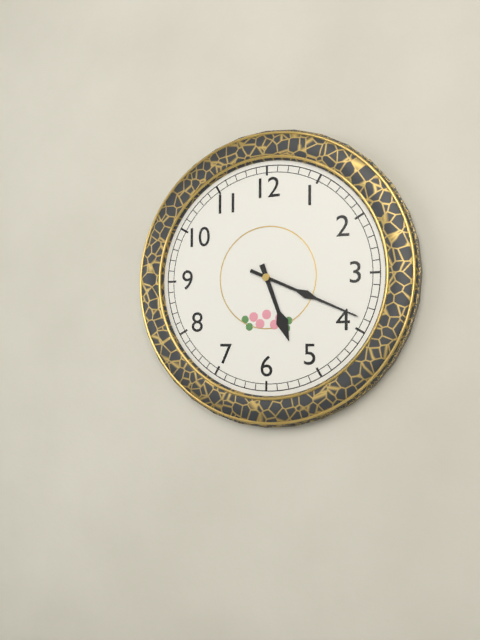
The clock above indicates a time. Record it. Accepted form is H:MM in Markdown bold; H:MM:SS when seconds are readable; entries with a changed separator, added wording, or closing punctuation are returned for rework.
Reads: **5:19**
